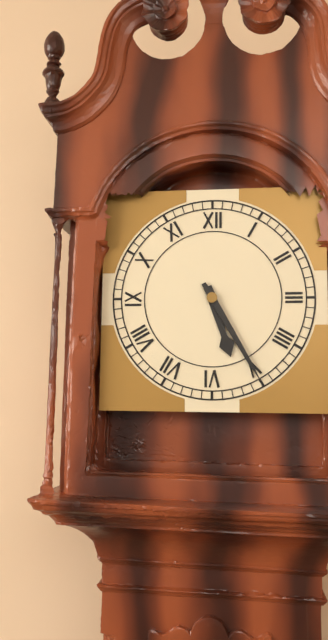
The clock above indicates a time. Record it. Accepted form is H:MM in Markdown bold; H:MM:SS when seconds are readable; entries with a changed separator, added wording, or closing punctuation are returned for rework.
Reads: **5:25**
